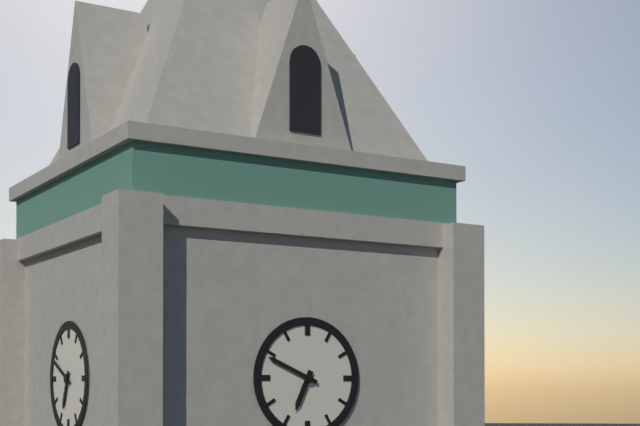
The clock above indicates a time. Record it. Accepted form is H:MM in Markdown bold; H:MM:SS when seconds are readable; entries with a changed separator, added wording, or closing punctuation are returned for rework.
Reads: **6:49**
